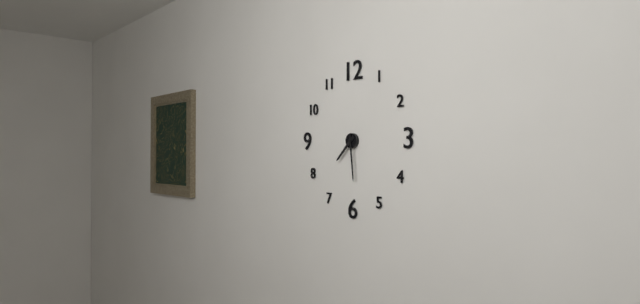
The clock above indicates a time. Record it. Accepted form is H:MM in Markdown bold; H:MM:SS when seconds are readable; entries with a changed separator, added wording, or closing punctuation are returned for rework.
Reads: **7:29**
